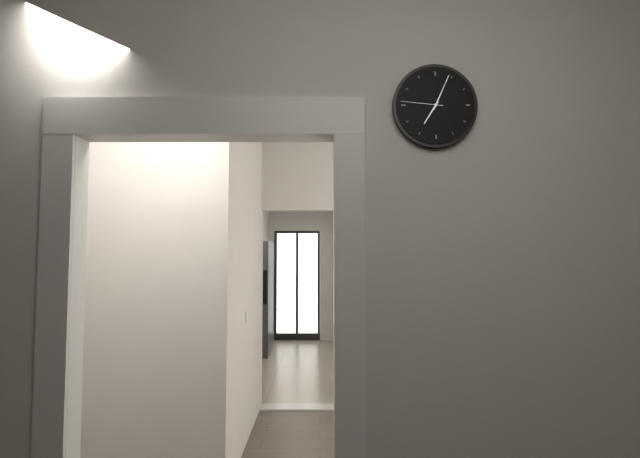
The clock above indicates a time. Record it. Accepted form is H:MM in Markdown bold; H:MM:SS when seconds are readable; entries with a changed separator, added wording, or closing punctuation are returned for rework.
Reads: **7:04**
